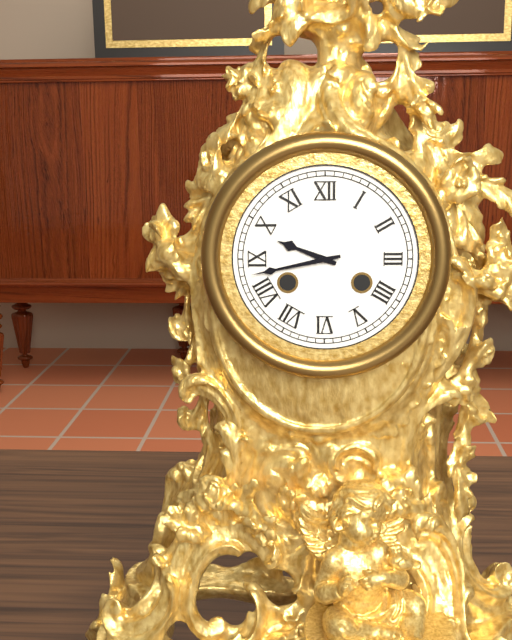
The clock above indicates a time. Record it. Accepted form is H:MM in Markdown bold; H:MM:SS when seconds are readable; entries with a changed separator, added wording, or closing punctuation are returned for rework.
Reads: **9:43**
